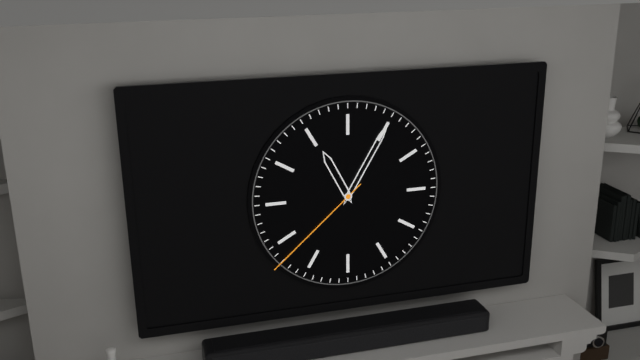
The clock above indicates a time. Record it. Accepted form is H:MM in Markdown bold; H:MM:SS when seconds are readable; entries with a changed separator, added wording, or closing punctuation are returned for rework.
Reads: **11:05:38**
